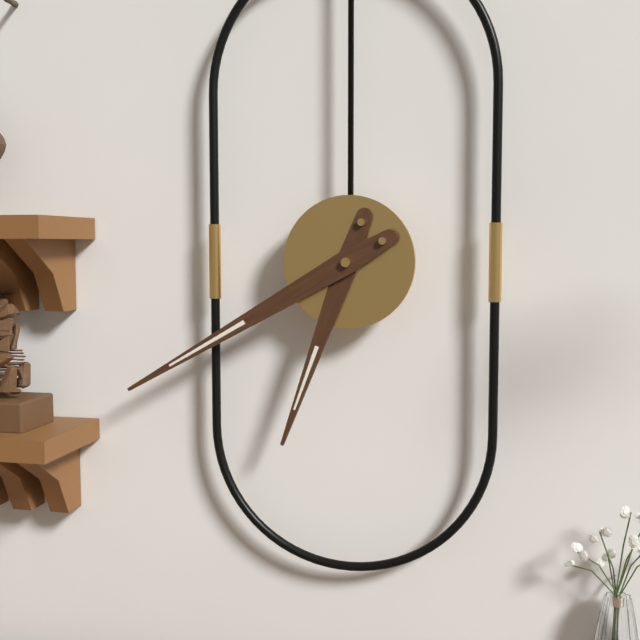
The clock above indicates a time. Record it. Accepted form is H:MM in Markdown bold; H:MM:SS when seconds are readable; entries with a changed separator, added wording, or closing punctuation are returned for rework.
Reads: **6:40**
